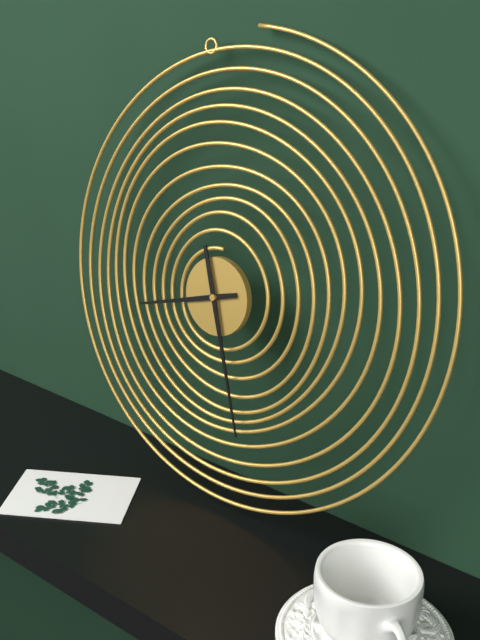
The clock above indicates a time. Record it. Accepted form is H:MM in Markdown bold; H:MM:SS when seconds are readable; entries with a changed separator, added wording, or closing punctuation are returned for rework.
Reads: **8:27**
